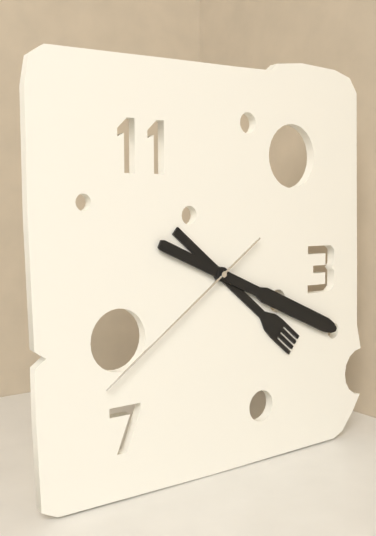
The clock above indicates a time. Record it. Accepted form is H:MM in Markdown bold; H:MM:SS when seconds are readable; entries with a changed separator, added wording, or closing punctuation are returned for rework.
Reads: **4:19:39**
